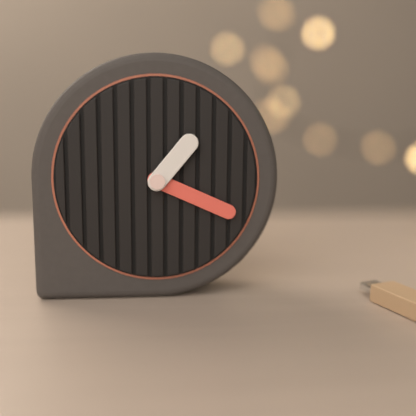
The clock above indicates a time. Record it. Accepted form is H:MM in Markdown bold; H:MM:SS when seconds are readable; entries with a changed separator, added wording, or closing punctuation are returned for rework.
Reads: **1:19**
